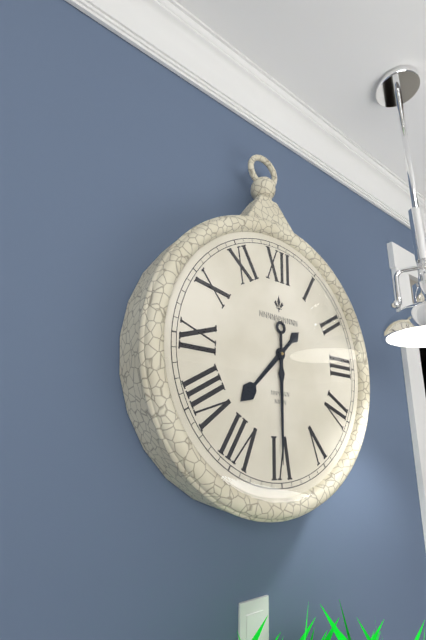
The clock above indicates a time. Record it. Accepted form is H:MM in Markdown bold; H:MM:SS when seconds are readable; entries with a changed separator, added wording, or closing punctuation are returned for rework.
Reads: **7:30**
